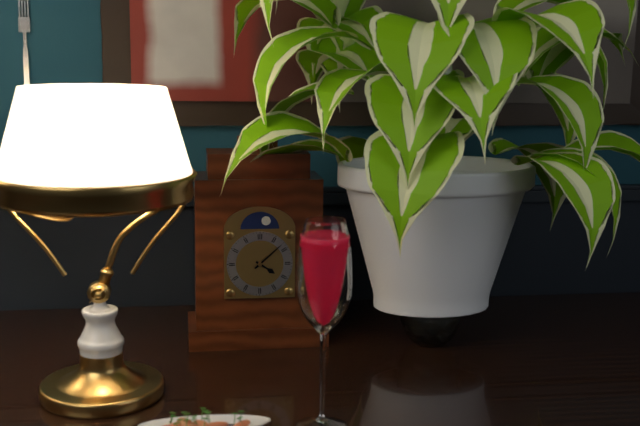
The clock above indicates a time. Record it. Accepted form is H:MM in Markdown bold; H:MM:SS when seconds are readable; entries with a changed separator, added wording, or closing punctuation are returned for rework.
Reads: **4:08**
